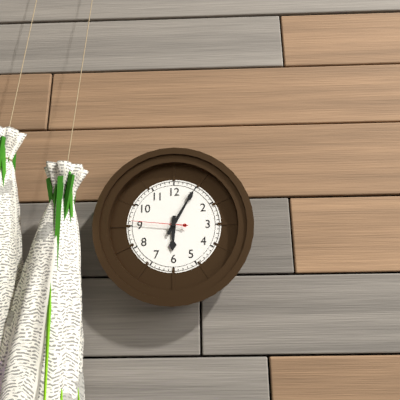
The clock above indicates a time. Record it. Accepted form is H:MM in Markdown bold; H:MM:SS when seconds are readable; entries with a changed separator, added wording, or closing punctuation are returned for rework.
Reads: **6:05:46**
